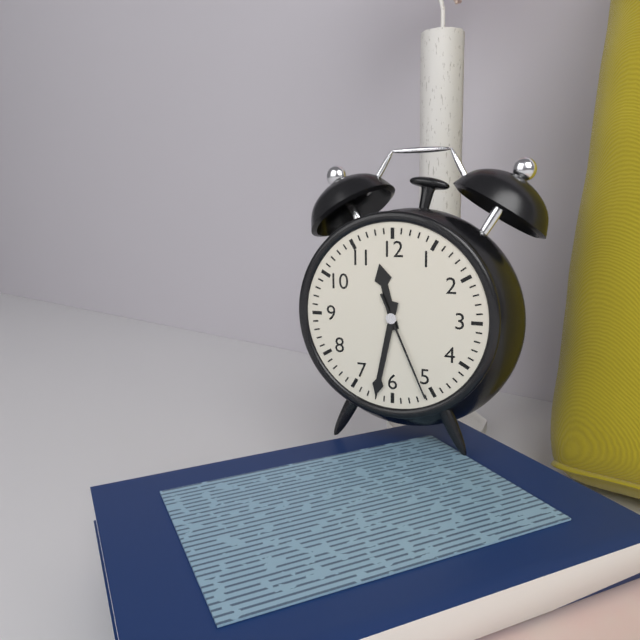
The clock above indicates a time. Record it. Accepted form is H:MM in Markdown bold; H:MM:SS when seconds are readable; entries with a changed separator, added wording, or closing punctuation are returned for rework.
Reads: **11:32:26**
